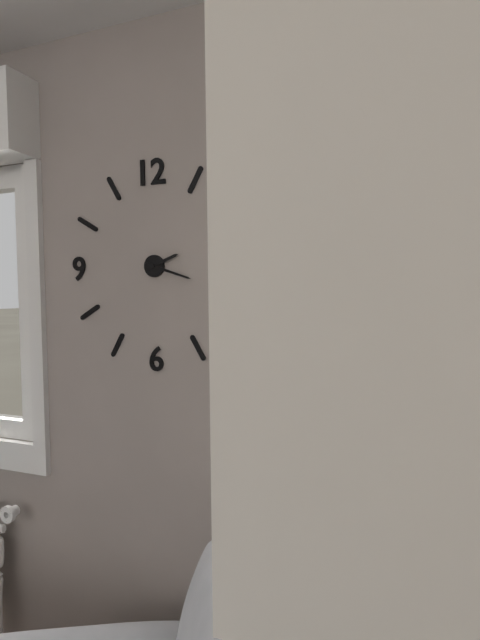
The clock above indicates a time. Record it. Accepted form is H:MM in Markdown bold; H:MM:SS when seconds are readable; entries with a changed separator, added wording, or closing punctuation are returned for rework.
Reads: **2:18**
